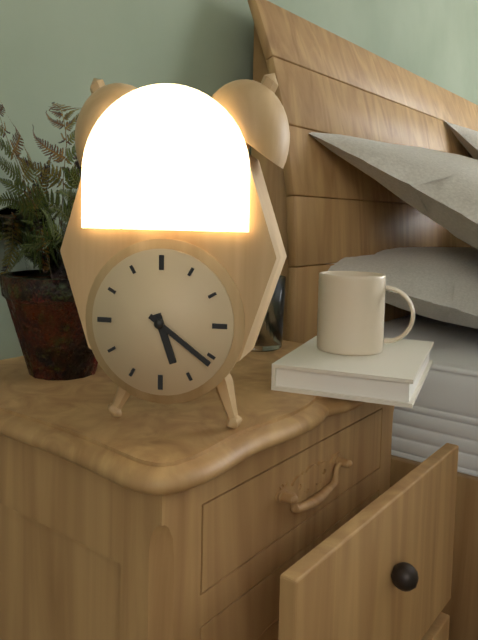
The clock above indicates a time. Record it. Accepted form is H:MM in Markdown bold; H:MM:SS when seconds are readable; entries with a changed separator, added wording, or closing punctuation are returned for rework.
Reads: **5:21**
